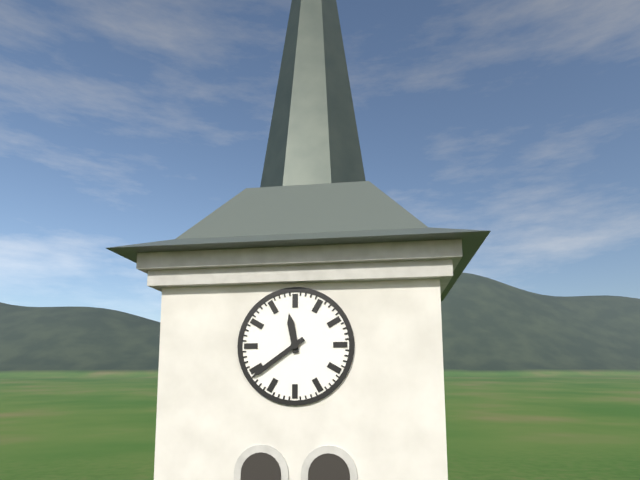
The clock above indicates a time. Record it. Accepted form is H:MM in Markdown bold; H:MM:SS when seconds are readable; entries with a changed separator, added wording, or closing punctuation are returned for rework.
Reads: **11:39**
